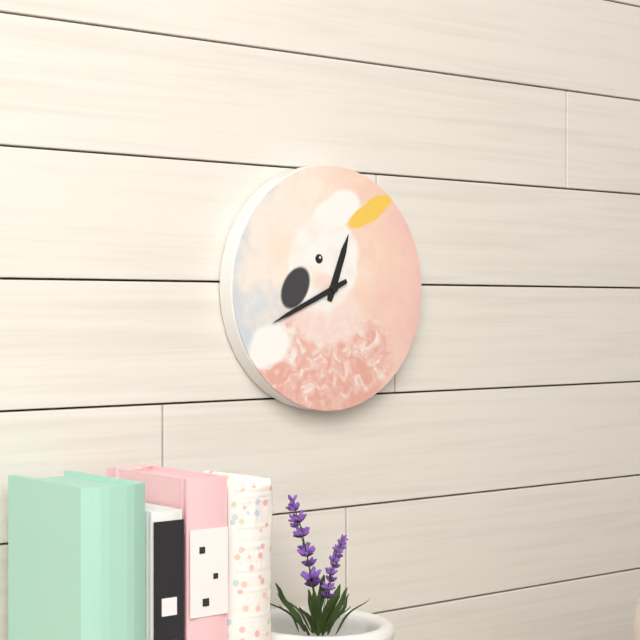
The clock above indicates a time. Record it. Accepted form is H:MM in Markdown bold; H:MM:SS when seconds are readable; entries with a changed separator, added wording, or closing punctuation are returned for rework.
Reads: **12:41**
